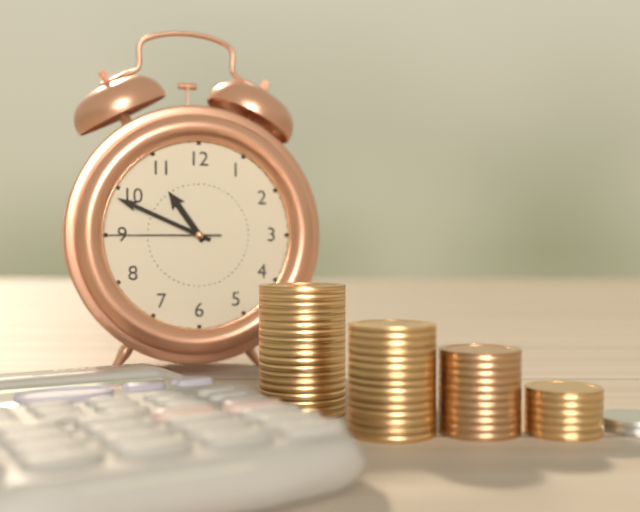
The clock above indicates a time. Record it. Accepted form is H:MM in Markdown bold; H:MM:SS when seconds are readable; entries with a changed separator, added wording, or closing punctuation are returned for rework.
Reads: **10:49:45**
